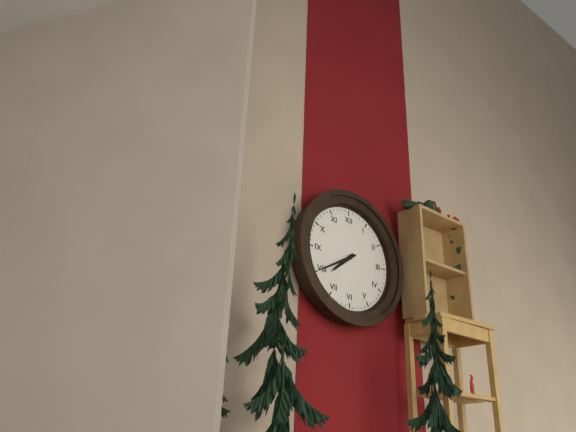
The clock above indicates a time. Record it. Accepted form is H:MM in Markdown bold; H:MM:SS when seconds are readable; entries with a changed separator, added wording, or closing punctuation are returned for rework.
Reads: **7:40**
